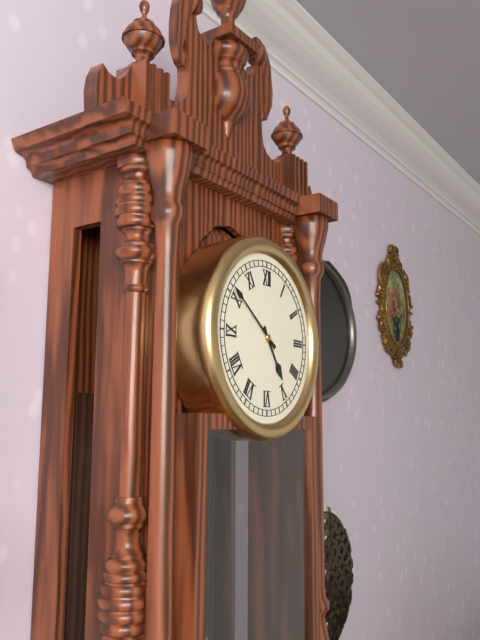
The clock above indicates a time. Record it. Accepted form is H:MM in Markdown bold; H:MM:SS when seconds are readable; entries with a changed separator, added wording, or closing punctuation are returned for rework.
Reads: **4:51**
